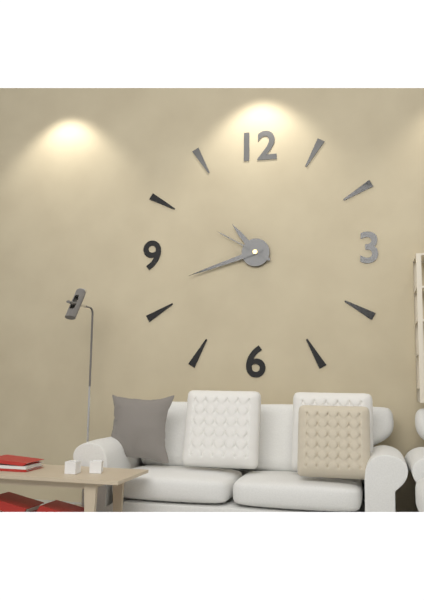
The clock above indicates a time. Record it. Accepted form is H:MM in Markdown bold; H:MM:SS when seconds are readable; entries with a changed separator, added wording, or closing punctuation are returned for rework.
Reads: **10:42:50**
